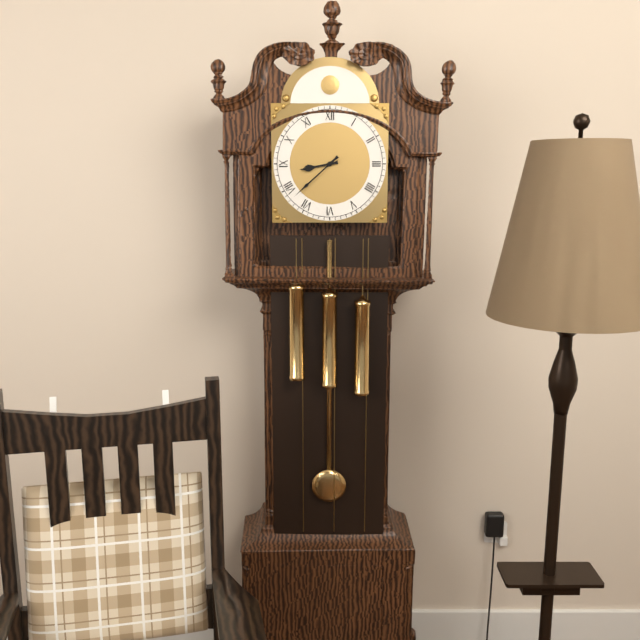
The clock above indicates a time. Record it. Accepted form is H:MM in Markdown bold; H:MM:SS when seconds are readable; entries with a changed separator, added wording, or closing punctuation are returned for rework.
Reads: **8:38**
